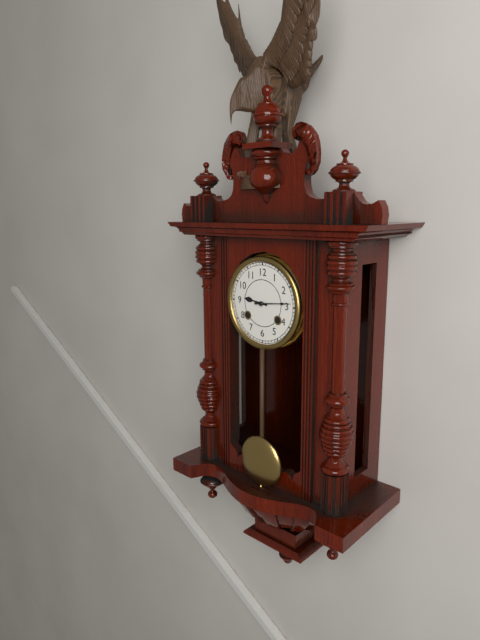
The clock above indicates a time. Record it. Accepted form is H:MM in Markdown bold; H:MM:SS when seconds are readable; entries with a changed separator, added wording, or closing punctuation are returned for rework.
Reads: **9:14**
